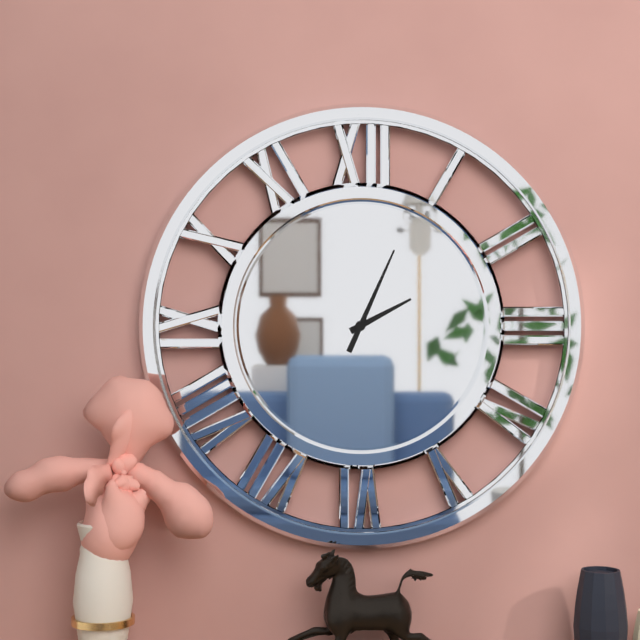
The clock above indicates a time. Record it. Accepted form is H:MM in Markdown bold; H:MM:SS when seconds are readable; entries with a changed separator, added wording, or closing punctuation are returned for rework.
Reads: **2:04**
